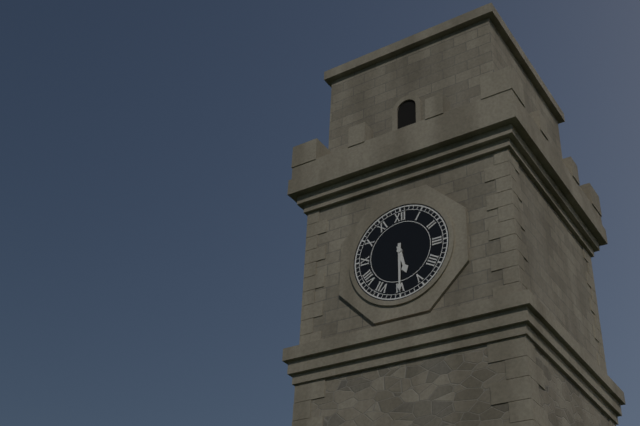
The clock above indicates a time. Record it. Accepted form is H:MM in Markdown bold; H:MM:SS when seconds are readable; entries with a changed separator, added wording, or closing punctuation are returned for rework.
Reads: **5:30**
